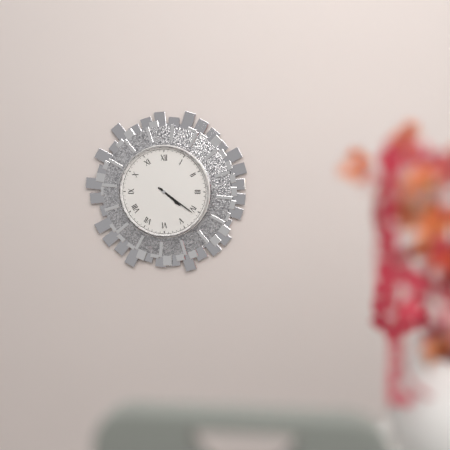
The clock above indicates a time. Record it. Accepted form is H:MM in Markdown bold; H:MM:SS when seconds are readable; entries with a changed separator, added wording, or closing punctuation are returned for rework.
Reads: **4:21**
